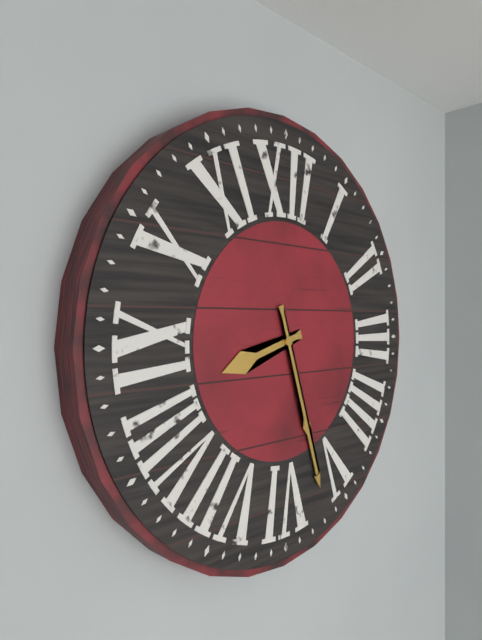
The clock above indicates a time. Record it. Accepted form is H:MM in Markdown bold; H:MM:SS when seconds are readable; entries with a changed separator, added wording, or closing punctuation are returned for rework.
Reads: **8:27**
